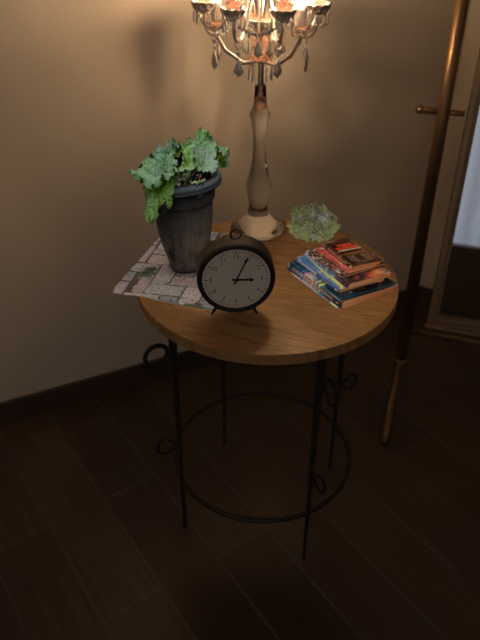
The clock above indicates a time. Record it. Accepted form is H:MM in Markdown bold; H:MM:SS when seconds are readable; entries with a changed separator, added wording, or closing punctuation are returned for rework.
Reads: **3:04**
